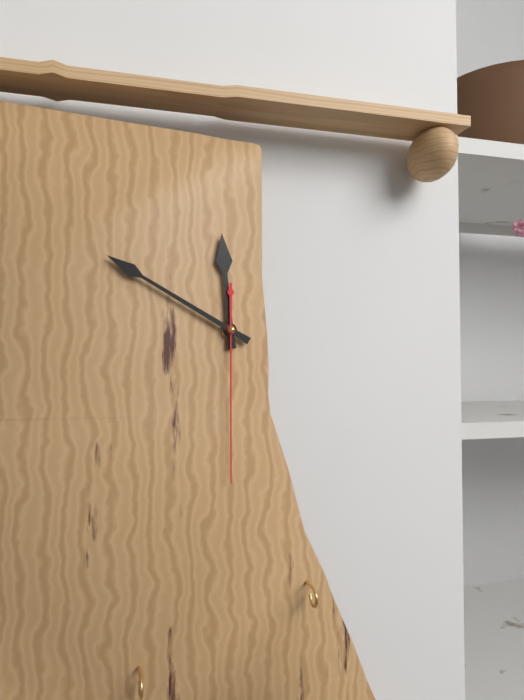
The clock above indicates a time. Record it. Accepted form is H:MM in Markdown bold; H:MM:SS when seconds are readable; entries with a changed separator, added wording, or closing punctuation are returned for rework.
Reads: **11:50:30**
